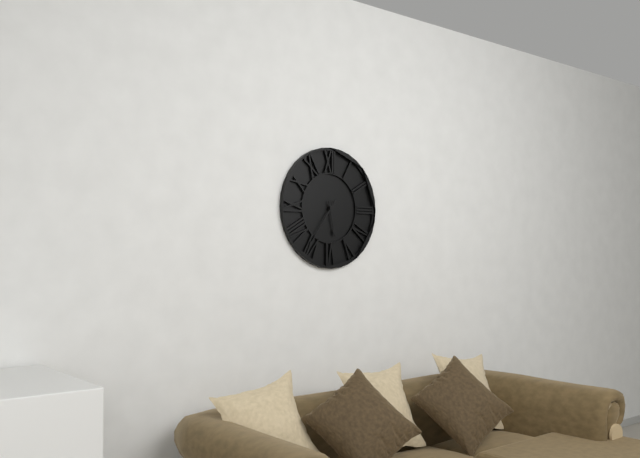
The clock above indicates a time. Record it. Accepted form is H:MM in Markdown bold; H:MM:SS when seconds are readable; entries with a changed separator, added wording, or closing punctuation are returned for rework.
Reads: **5:36**
